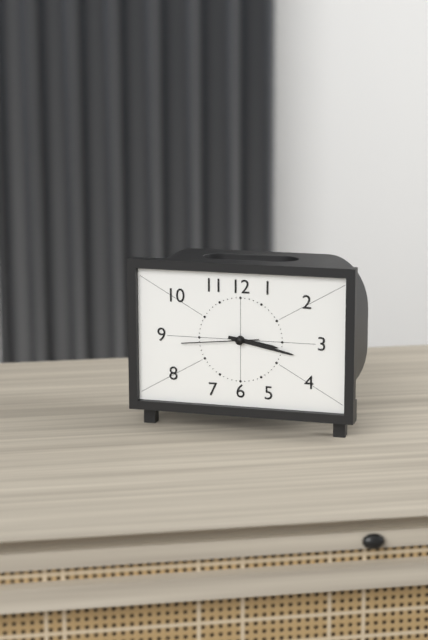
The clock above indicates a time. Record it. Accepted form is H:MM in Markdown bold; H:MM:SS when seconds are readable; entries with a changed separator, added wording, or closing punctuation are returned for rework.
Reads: **3:17:44**
